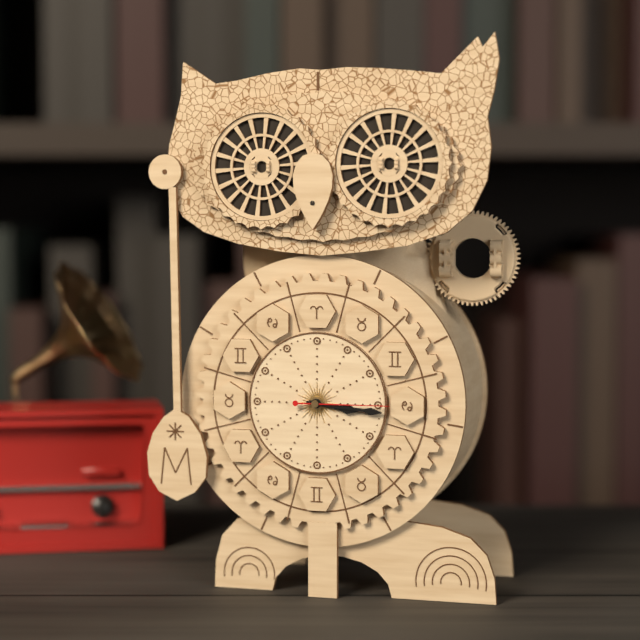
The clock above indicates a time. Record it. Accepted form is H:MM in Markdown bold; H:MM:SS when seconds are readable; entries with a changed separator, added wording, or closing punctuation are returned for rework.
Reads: **3:16:15**
